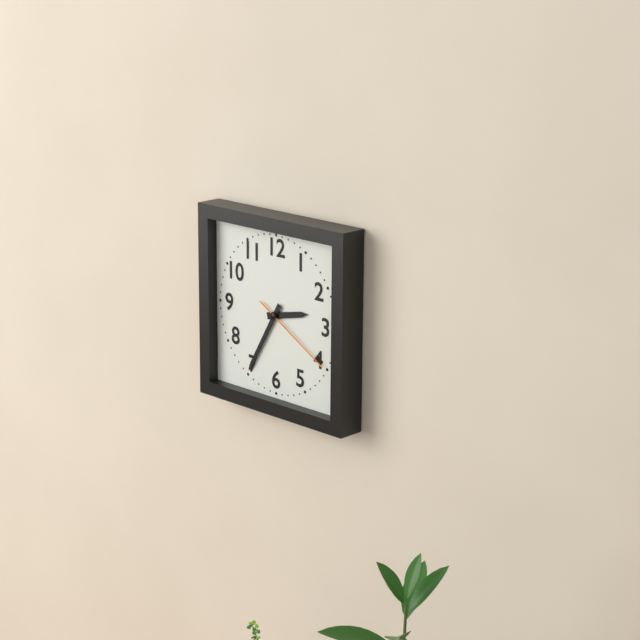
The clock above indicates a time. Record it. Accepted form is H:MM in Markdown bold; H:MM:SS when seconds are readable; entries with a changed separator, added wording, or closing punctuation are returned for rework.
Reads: **2:35:20**
